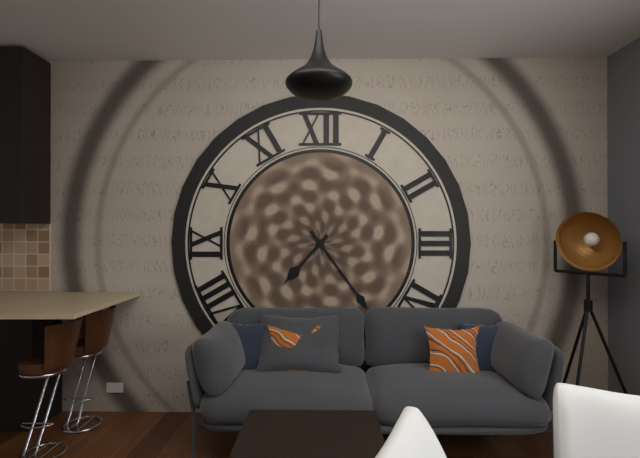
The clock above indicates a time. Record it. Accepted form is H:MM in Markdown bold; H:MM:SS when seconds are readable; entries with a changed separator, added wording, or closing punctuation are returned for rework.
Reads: **7:24**
